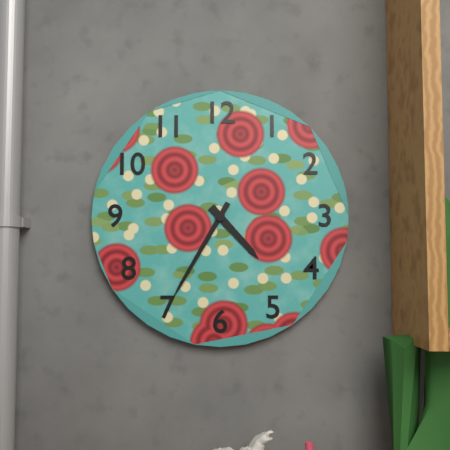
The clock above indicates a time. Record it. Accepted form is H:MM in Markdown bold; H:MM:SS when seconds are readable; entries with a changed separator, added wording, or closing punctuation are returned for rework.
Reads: **4:35**
